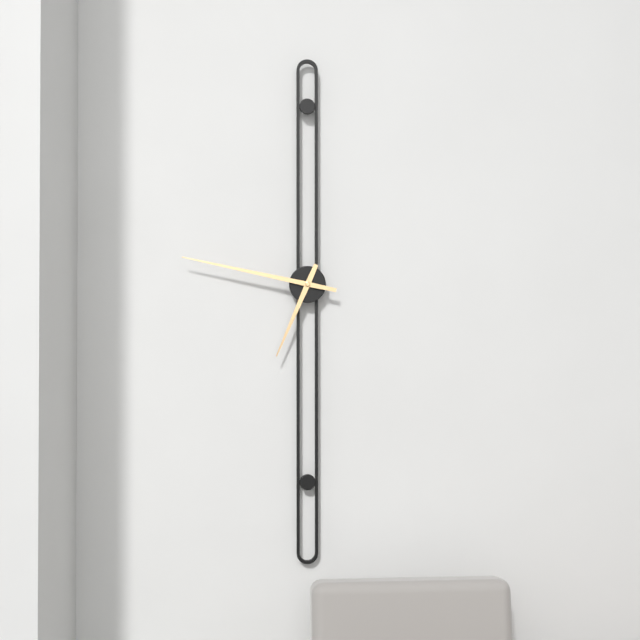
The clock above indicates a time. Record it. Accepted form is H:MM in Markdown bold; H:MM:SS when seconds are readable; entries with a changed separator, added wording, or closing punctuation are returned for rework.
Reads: **6:47**
